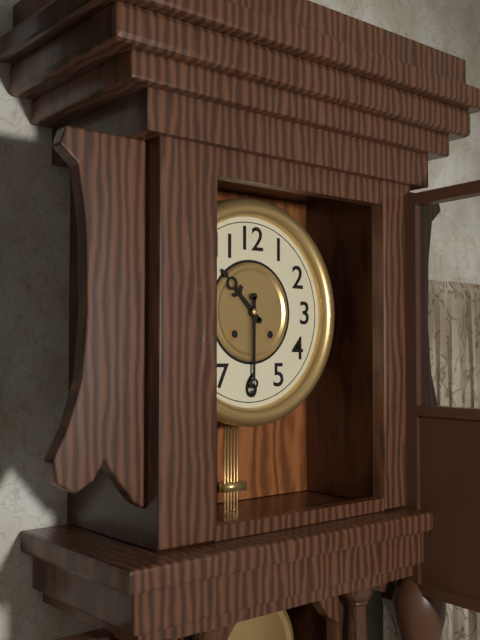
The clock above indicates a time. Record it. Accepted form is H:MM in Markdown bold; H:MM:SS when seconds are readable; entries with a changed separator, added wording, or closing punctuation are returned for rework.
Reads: **10:30**
